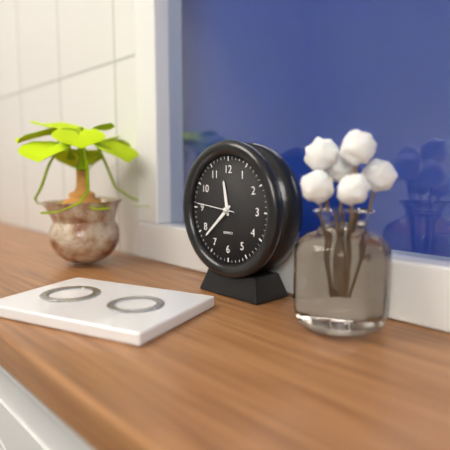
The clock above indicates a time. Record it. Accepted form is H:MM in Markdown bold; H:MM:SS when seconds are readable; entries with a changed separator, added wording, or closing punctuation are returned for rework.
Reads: **11:38**
